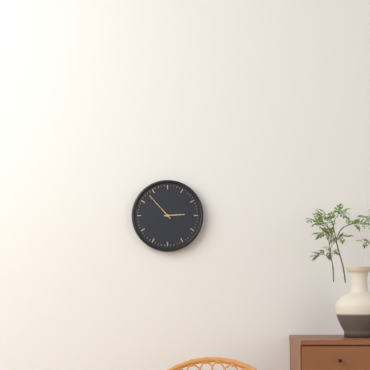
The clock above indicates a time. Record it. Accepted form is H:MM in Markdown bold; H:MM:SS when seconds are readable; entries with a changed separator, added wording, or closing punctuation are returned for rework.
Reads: **2:53**
